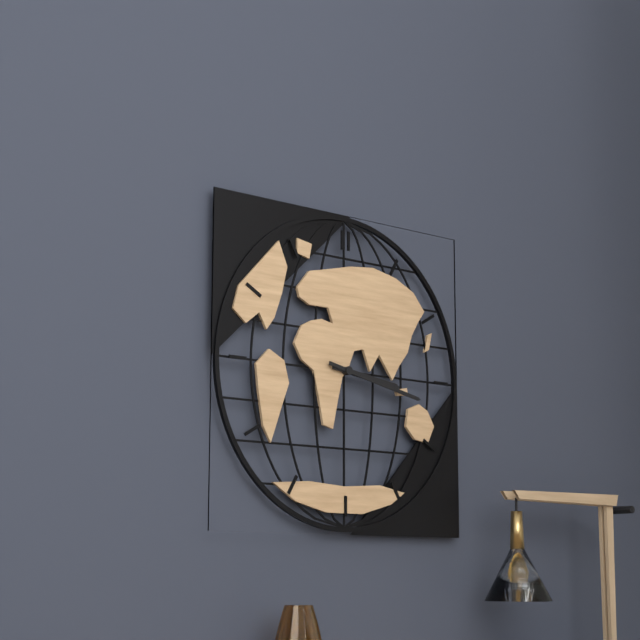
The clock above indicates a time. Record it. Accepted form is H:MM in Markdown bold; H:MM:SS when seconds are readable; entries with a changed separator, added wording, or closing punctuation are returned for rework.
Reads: **3:17**
